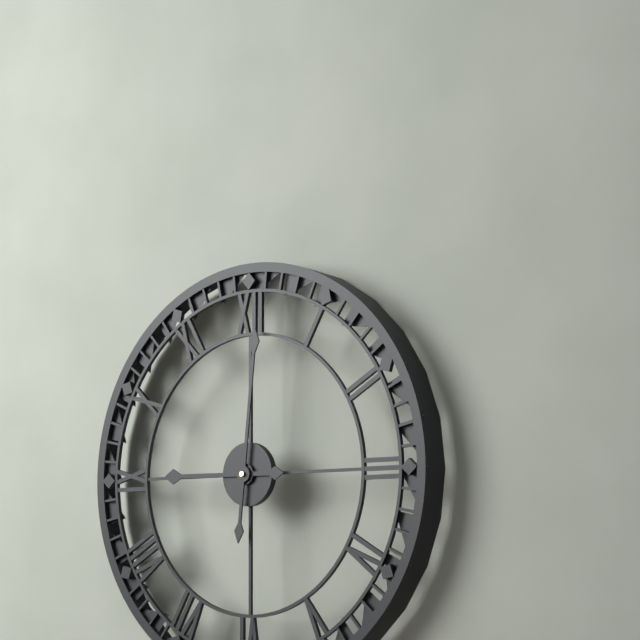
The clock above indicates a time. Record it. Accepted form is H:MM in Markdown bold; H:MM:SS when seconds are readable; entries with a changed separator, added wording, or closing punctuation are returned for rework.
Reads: **9:01**
